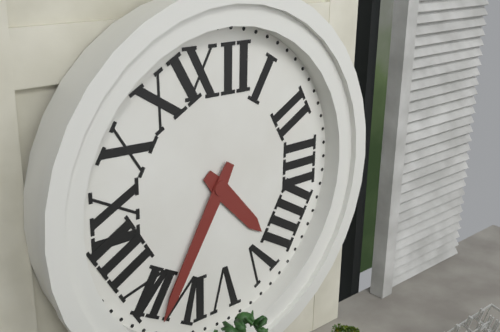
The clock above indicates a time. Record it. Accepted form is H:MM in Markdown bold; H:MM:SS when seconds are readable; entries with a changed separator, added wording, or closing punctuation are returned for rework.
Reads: **4:35**
